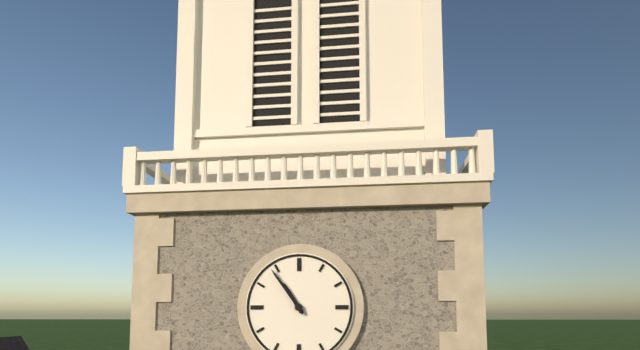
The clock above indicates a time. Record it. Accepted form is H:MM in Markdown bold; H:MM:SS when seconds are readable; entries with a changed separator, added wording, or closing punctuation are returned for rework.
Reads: **10:54**
